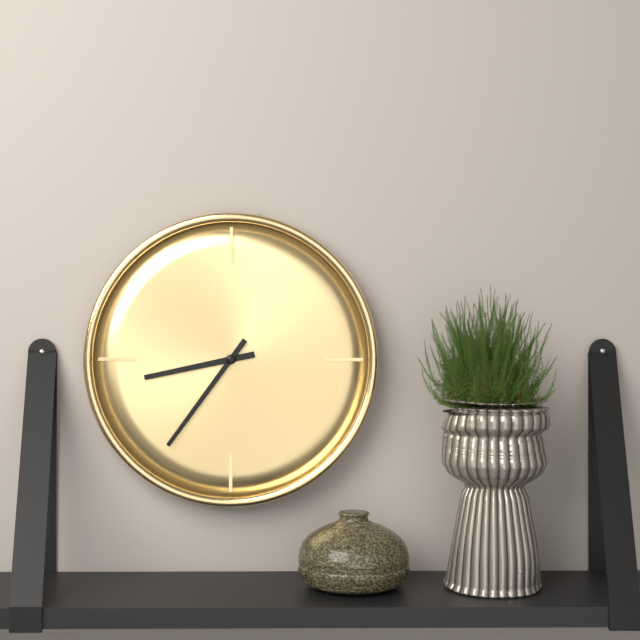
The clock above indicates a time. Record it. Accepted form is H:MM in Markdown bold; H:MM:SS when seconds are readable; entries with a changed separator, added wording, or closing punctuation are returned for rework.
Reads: **8:36**
